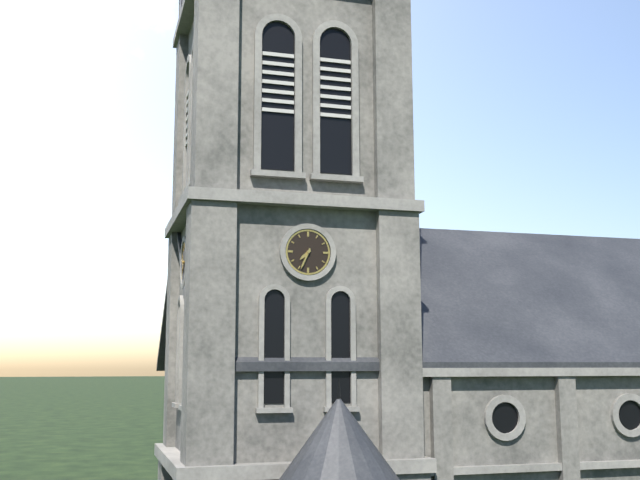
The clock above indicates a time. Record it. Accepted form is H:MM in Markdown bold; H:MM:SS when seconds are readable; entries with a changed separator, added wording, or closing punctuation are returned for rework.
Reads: **7:34**
